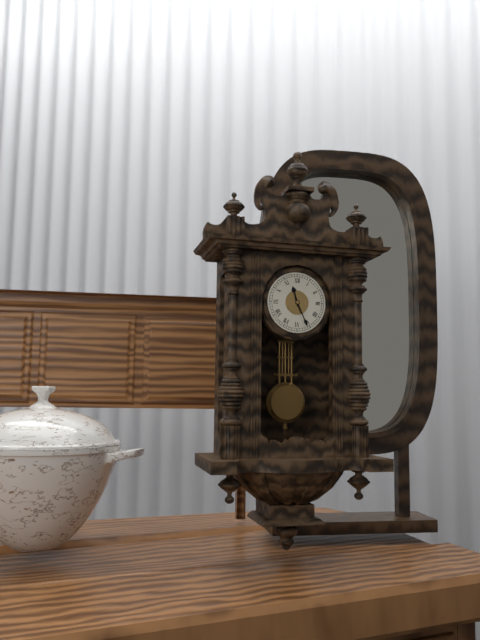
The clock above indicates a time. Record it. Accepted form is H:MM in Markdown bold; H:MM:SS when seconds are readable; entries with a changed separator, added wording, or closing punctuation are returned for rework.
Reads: **11:26**
